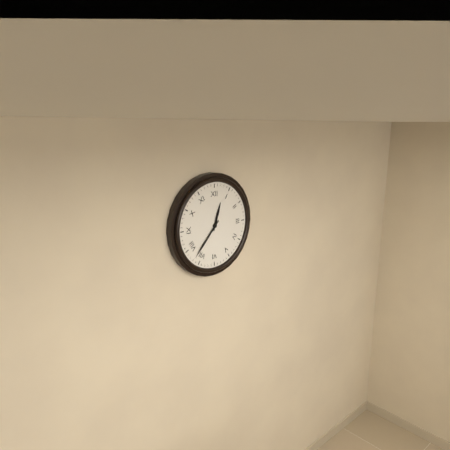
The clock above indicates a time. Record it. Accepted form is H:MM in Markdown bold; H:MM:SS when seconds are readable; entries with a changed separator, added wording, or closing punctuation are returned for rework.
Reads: **12:37**
